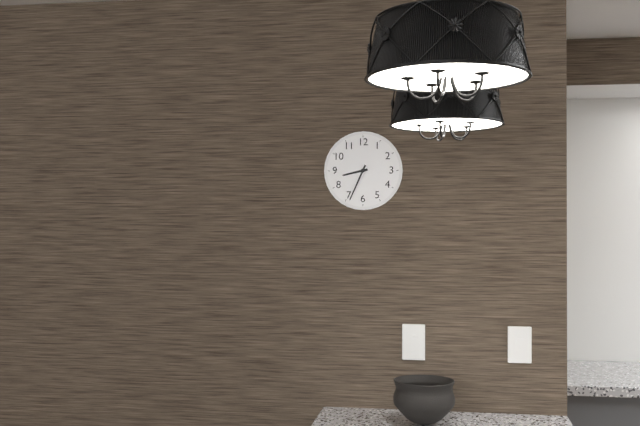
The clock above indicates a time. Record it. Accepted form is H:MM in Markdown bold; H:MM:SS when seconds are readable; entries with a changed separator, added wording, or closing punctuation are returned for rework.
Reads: **8:34**
